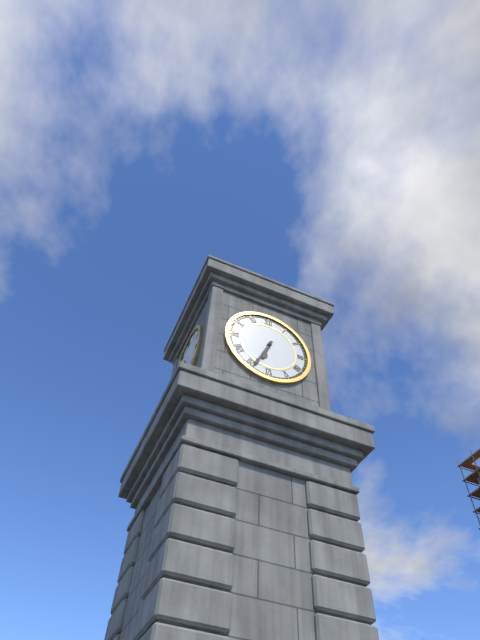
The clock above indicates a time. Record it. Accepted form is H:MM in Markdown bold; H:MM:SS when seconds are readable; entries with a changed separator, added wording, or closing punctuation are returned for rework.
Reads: **6:34**
